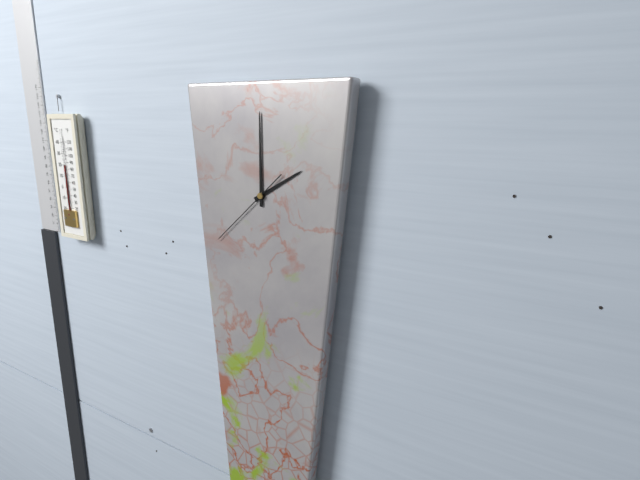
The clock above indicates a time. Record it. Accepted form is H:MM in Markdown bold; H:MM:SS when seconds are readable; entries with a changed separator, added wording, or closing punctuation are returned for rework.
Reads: **2:00:38**
